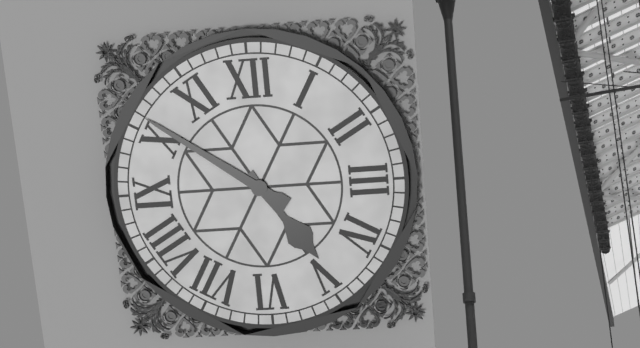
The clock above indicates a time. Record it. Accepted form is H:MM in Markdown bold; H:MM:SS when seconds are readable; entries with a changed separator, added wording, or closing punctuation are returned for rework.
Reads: **4:51**
